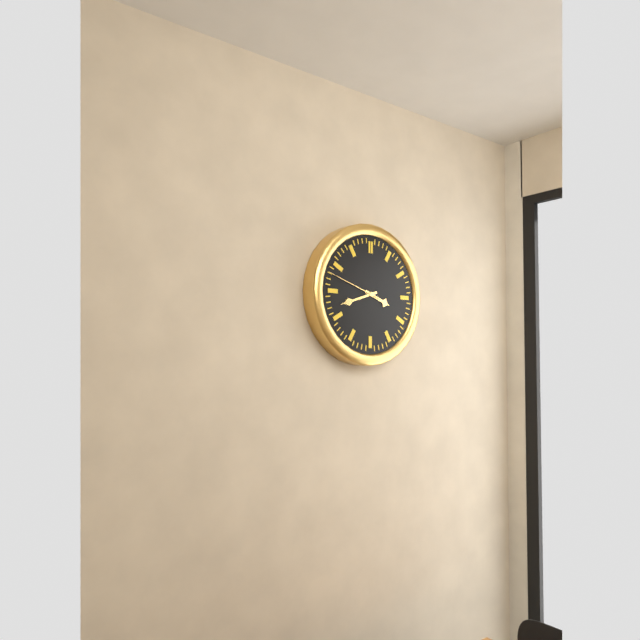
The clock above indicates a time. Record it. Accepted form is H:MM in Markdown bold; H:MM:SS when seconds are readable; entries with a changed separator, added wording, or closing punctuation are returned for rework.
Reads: **3:42:48**
